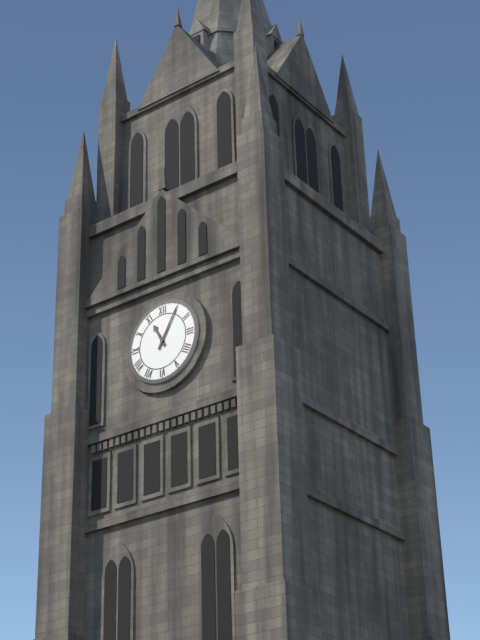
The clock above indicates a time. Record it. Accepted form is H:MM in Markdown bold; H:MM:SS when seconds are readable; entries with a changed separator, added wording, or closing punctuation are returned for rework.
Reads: **11:05**
